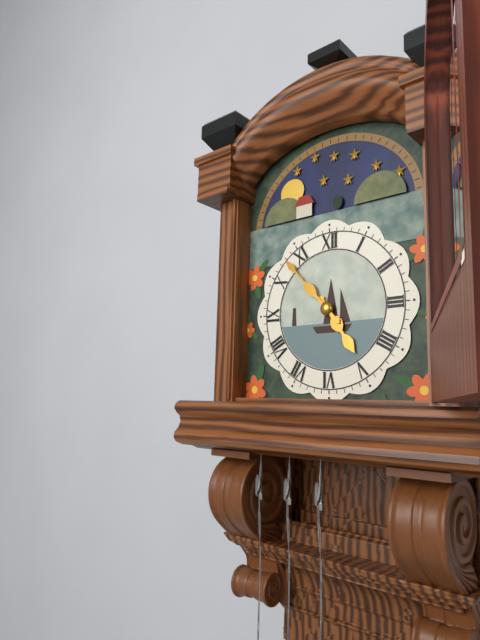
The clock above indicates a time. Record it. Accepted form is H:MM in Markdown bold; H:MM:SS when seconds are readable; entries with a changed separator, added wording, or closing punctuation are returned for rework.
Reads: **4:53**
